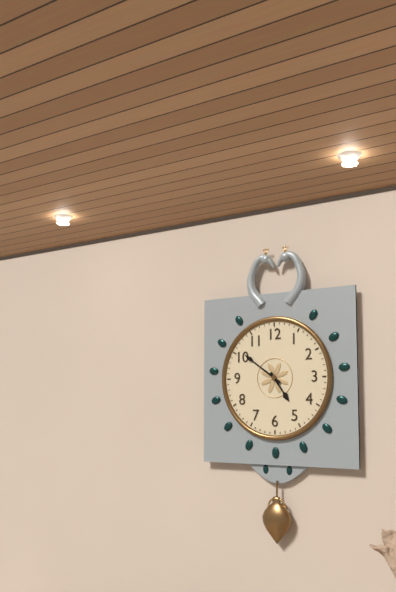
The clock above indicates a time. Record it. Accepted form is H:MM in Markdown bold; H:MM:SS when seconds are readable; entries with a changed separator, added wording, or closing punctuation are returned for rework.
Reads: **4:51**
